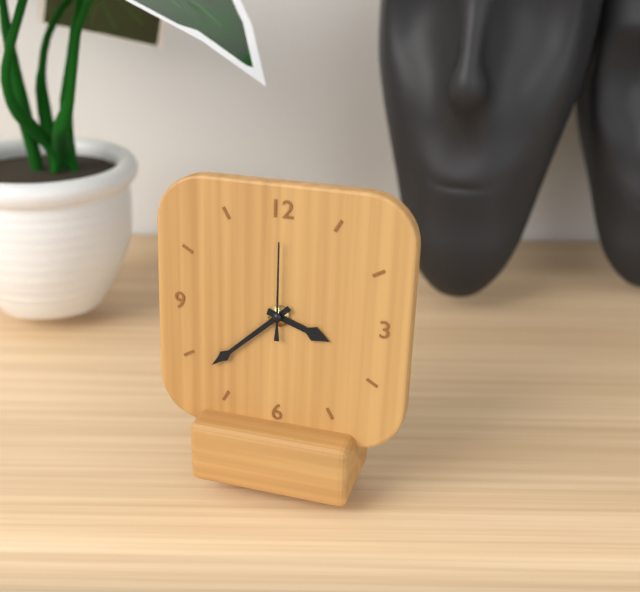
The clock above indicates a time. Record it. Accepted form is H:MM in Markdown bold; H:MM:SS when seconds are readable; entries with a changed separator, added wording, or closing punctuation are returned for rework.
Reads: **3:38:00**
